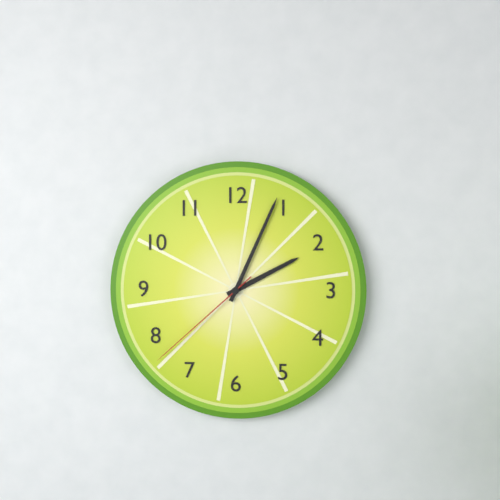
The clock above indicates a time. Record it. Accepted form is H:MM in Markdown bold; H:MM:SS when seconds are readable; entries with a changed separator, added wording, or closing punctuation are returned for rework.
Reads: **2:04:38**
